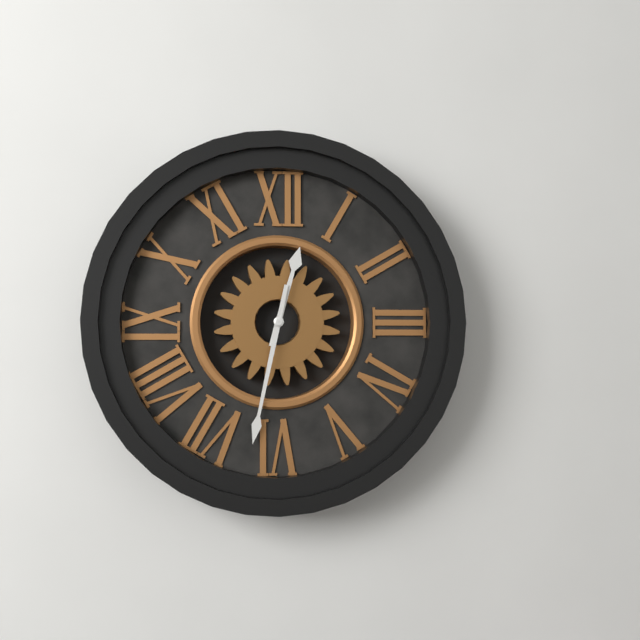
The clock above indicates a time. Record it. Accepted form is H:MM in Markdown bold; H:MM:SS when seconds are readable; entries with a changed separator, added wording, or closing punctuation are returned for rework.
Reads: **12:32**
